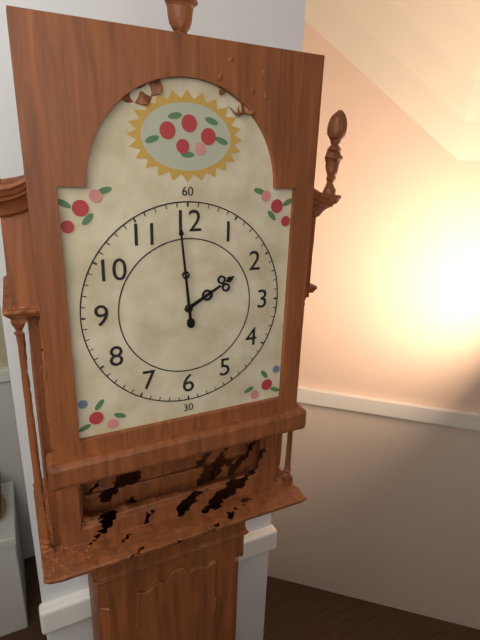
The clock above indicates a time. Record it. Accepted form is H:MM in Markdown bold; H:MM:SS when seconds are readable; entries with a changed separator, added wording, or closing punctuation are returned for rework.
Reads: **1:59**
